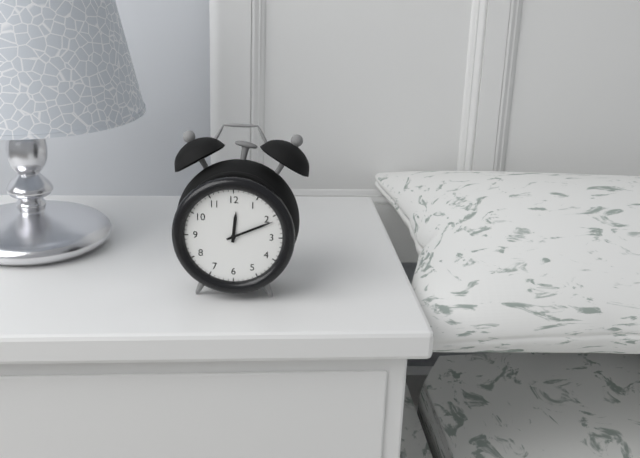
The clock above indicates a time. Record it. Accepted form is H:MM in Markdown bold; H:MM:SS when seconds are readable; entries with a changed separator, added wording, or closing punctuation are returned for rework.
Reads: **12:11**
